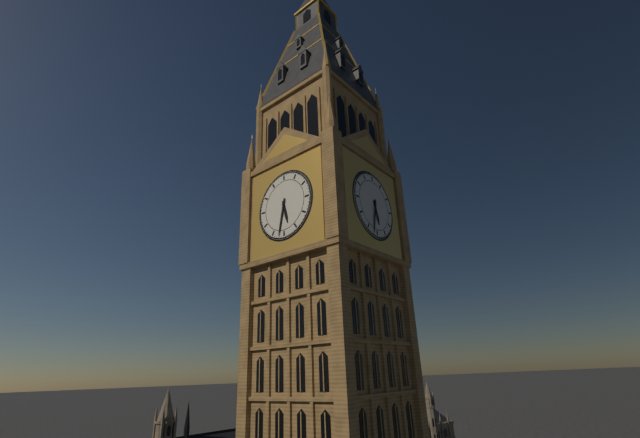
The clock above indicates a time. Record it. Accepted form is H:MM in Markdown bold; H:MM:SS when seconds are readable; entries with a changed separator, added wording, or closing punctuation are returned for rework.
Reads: **5:32**
